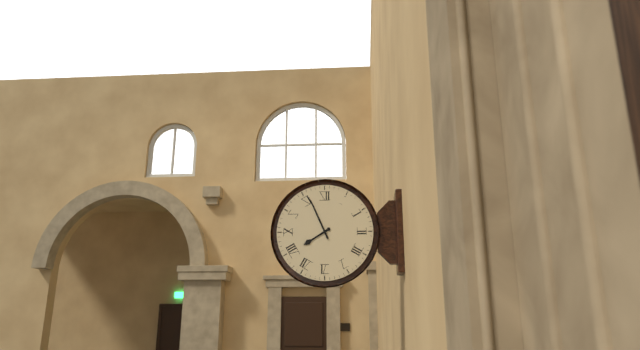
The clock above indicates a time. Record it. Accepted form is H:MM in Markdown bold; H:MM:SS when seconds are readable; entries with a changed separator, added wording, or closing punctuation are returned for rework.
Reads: **7:56**
